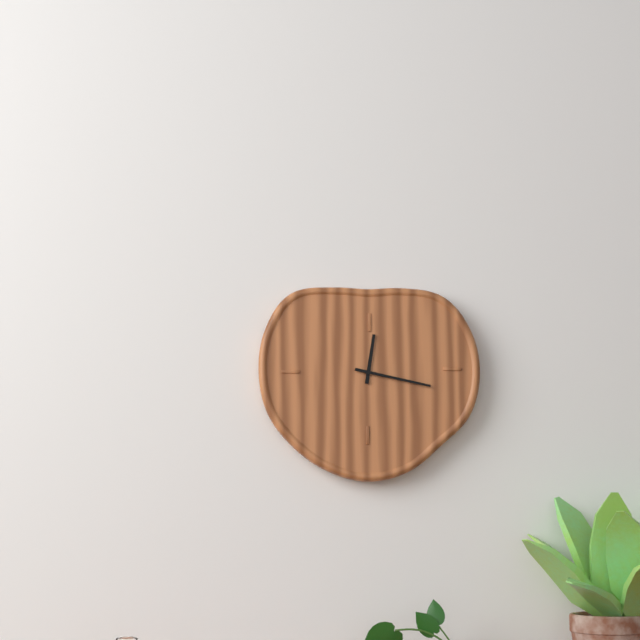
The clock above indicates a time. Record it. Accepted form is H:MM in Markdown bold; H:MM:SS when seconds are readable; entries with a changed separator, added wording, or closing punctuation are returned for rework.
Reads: **12:17**
